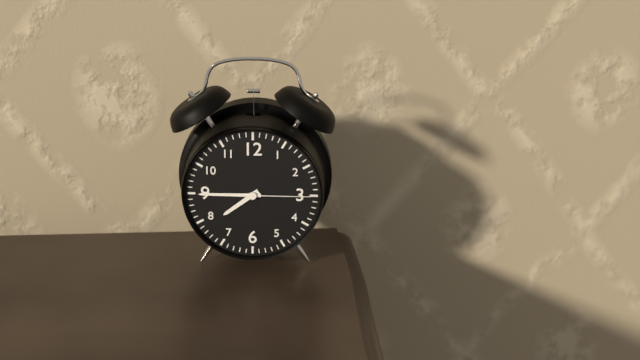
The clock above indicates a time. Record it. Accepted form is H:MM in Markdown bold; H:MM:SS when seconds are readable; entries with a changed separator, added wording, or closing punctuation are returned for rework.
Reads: **7:45:15**
